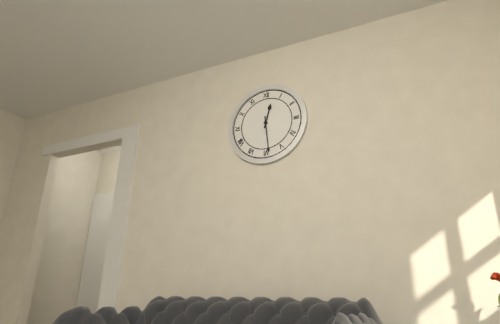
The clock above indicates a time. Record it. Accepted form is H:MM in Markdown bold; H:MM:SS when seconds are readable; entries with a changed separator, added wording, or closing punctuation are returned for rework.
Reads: **12:29**
